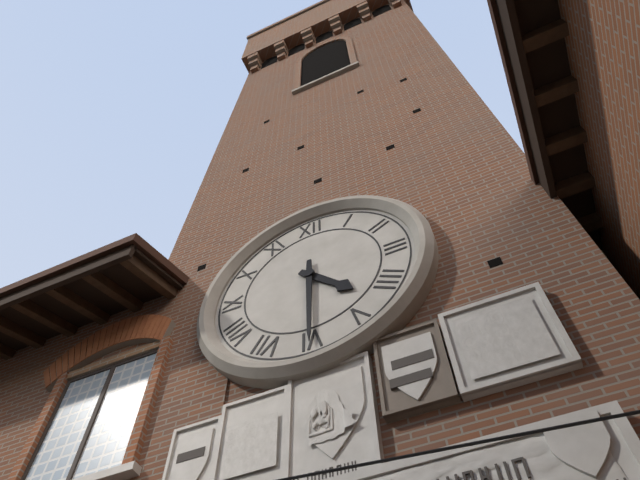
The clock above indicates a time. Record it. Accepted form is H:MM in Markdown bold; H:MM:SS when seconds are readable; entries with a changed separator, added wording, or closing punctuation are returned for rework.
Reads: **4:30**
